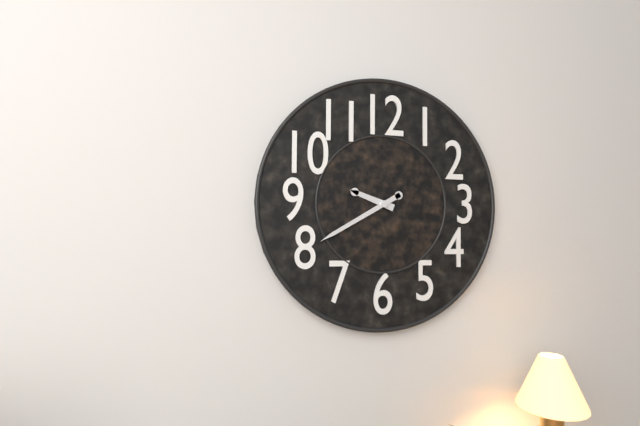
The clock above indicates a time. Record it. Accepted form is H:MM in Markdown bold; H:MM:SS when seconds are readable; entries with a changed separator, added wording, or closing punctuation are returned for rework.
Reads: **9:40**
